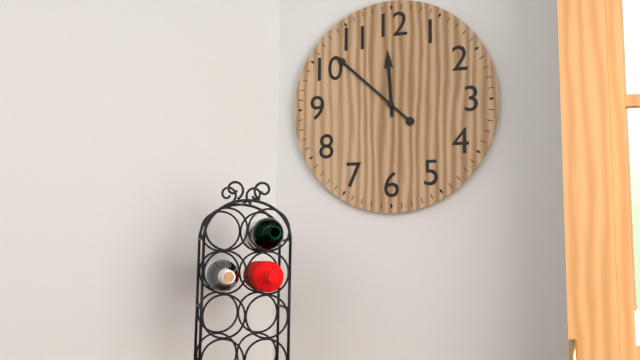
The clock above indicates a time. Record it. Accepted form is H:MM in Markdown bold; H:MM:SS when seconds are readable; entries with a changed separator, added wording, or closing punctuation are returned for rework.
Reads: **11:52**
